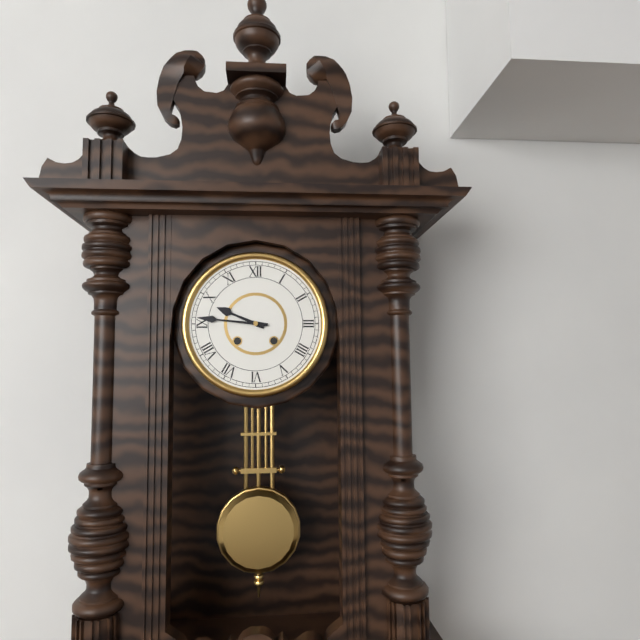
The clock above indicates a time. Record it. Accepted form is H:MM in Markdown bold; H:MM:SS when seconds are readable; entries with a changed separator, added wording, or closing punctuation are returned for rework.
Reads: **9:46**
